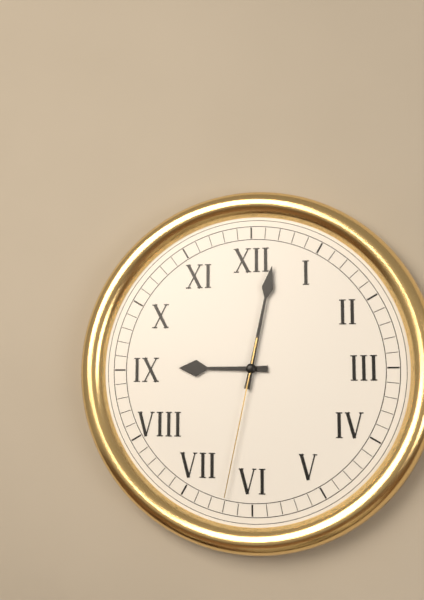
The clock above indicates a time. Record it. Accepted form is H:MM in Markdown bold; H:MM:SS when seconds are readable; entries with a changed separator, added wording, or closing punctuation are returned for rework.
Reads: **9:02:32**
